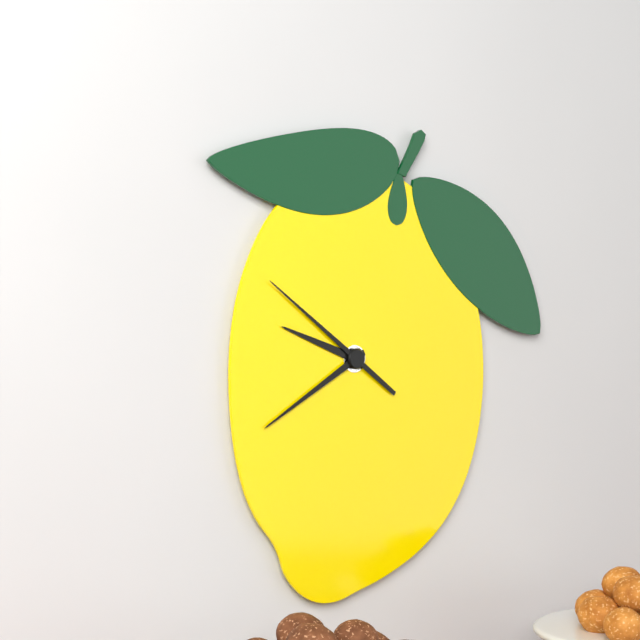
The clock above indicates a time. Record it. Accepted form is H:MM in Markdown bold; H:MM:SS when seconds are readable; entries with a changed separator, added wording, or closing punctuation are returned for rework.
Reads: **9:40:51**
